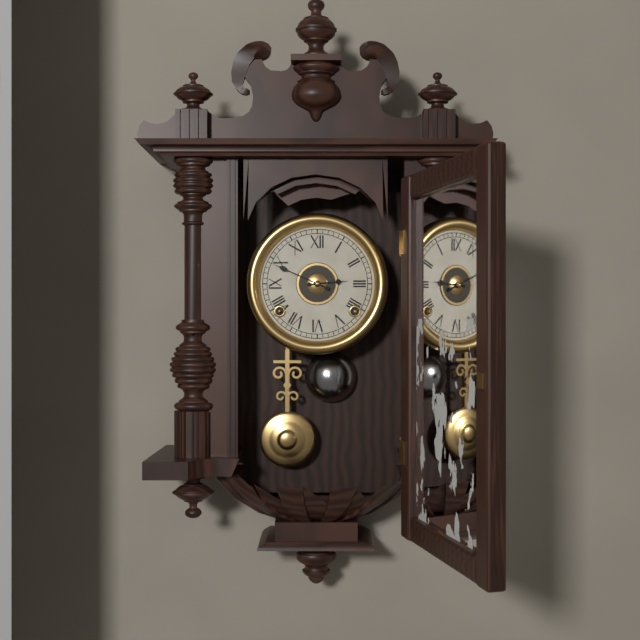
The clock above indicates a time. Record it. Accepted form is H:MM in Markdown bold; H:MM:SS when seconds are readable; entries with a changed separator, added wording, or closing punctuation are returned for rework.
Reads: **2:49**
